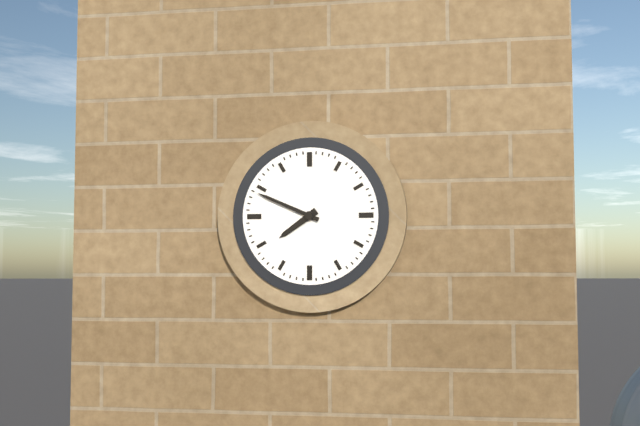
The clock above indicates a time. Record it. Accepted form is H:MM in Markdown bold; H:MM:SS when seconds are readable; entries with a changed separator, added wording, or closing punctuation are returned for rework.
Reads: **7:49**
